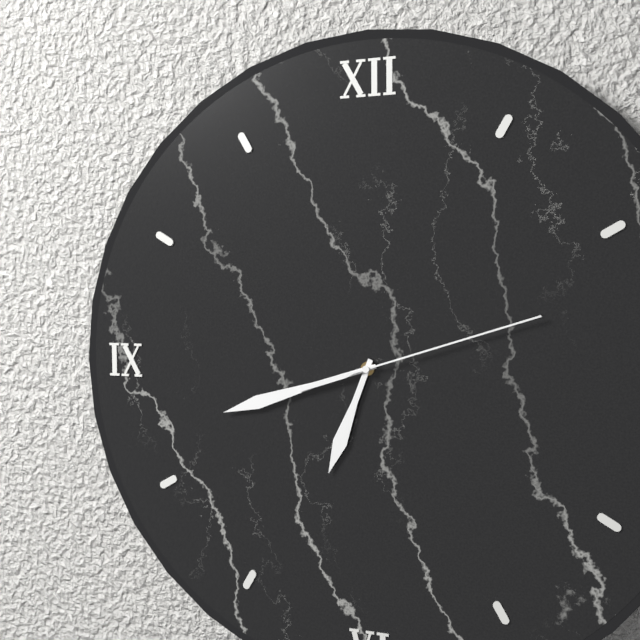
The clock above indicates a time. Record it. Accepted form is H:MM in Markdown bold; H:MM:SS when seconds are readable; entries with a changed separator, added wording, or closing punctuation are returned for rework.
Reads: **6:42:12**
